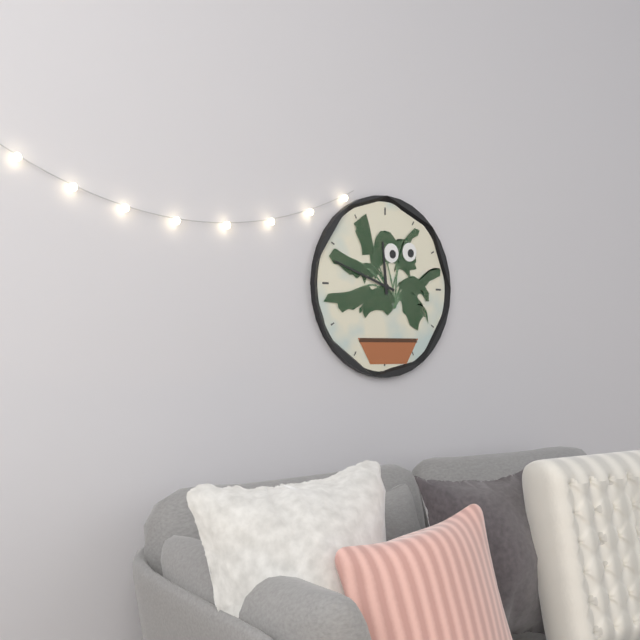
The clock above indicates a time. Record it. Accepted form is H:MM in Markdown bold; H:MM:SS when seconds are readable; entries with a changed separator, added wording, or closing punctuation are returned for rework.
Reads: **11:48**
